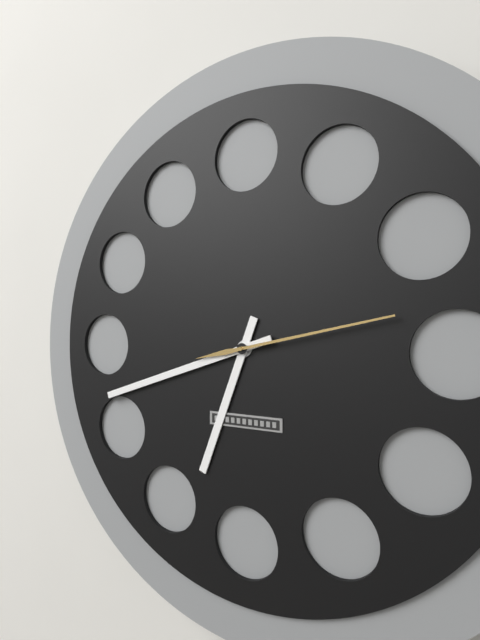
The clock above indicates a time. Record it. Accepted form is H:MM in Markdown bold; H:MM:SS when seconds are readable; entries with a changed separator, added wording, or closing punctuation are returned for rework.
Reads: **6:42:13**
